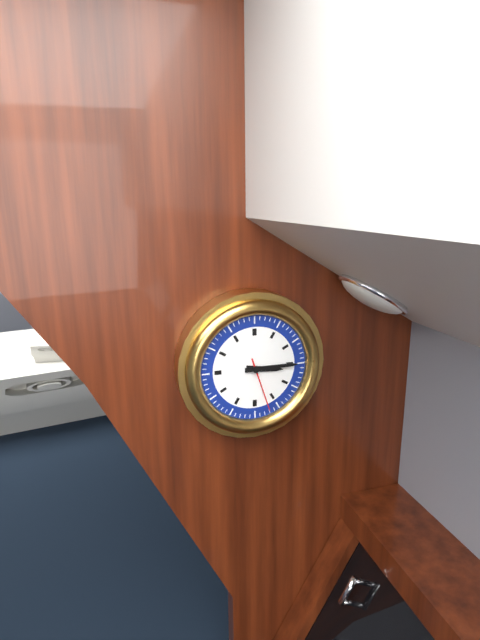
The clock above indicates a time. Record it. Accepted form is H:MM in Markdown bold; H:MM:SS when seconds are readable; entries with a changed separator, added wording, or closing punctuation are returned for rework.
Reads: **3:15:27**
